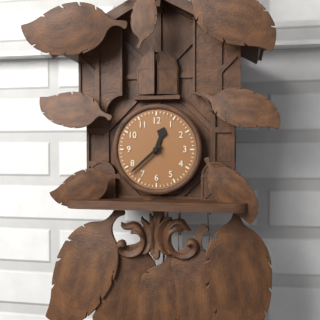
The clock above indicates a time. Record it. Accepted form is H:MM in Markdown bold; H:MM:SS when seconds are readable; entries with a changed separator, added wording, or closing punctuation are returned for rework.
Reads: **12:38**
